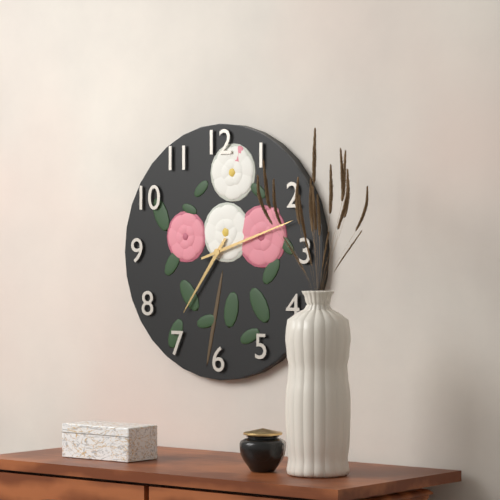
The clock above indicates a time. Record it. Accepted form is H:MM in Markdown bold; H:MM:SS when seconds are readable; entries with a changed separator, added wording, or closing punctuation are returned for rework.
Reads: **7:12**
